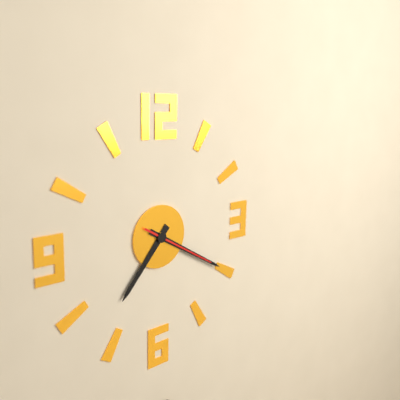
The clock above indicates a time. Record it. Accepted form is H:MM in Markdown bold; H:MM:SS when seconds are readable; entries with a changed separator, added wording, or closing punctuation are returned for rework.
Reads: **7:20:20**
